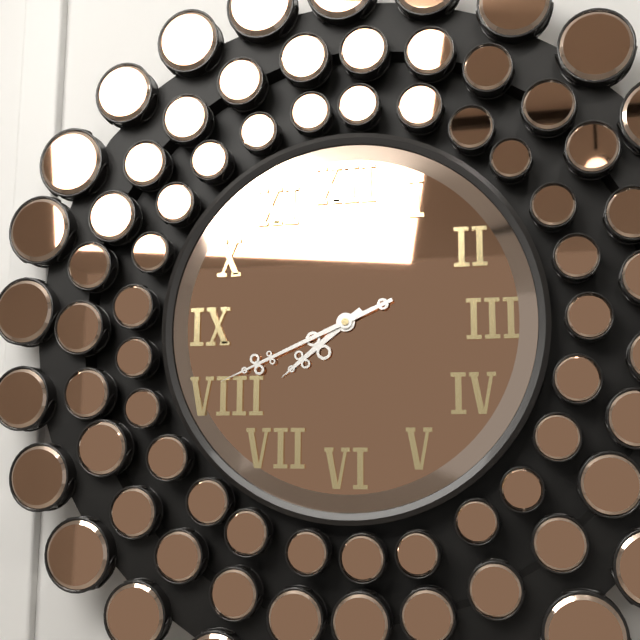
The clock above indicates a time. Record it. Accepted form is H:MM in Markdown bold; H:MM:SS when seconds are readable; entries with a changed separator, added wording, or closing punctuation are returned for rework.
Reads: **7:41**
